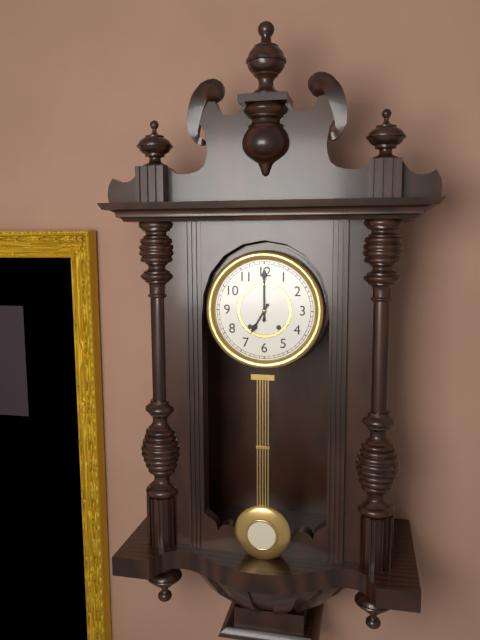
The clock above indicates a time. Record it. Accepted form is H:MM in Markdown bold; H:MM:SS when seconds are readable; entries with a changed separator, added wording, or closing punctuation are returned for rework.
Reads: **7:00**
